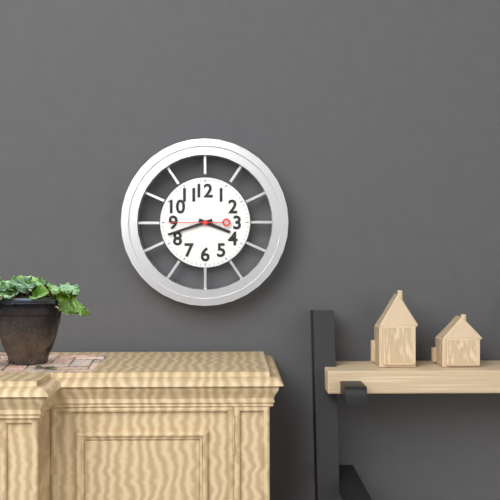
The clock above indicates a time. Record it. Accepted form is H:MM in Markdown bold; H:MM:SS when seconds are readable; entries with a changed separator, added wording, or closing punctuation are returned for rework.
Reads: **3:42**
